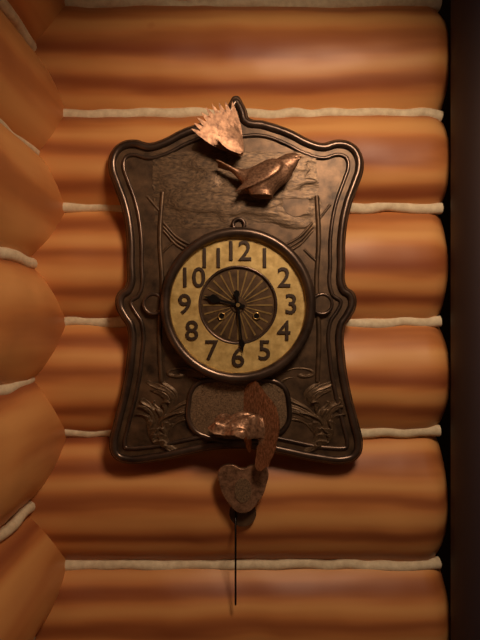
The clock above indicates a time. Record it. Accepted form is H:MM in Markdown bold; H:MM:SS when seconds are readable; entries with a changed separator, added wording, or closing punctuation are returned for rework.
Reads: **9:29**
